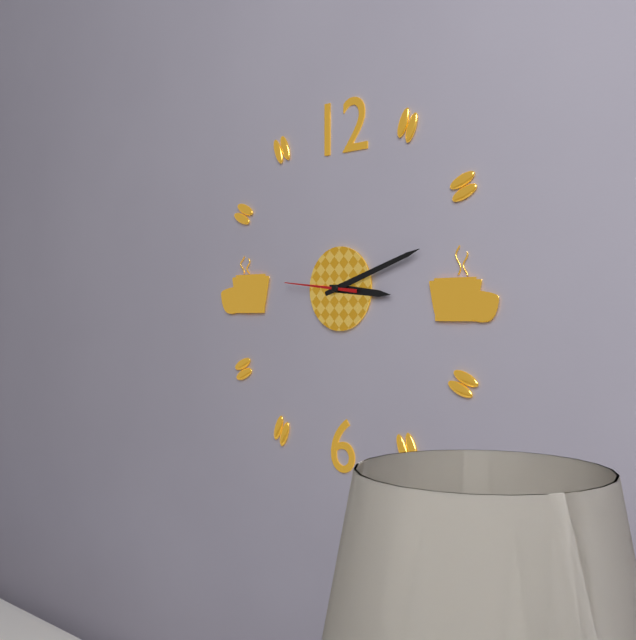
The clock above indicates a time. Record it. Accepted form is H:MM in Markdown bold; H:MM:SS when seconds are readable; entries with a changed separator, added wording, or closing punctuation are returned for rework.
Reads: **3:12:46**
